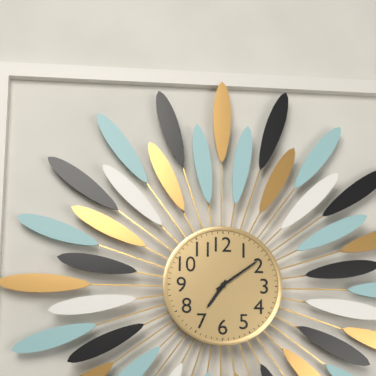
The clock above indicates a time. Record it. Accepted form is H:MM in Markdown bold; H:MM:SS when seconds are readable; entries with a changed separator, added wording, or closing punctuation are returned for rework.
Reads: **7:09**
